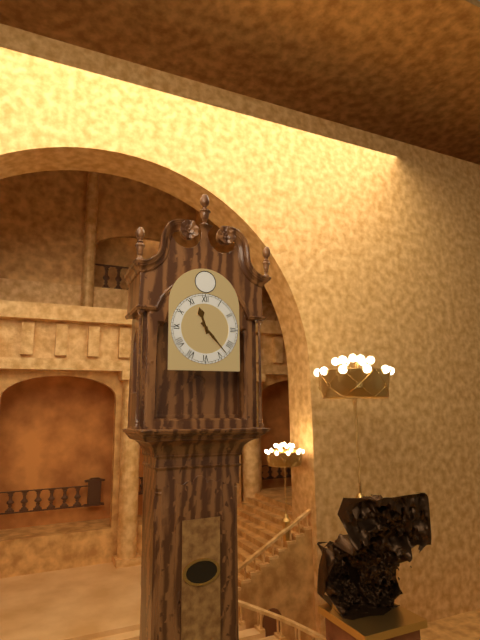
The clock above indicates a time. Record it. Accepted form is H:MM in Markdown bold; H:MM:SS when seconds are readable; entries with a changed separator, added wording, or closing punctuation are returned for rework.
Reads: **11:23**
